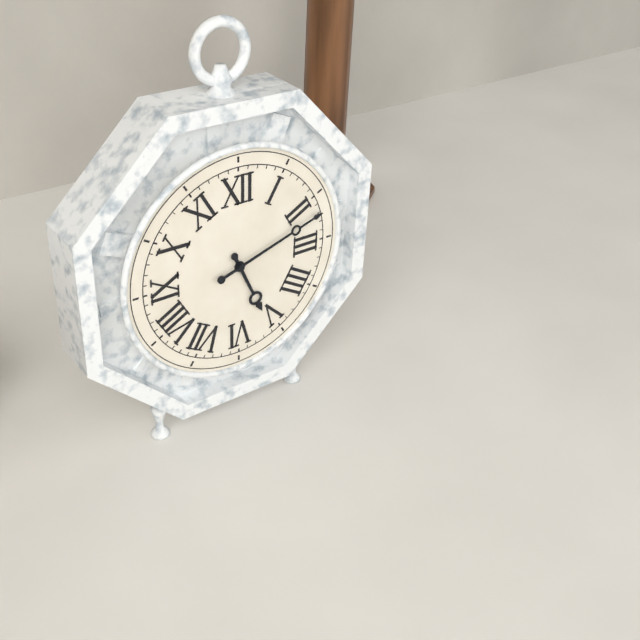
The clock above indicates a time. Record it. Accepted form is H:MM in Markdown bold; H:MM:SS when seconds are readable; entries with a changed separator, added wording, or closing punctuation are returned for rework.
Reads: **5:12**
